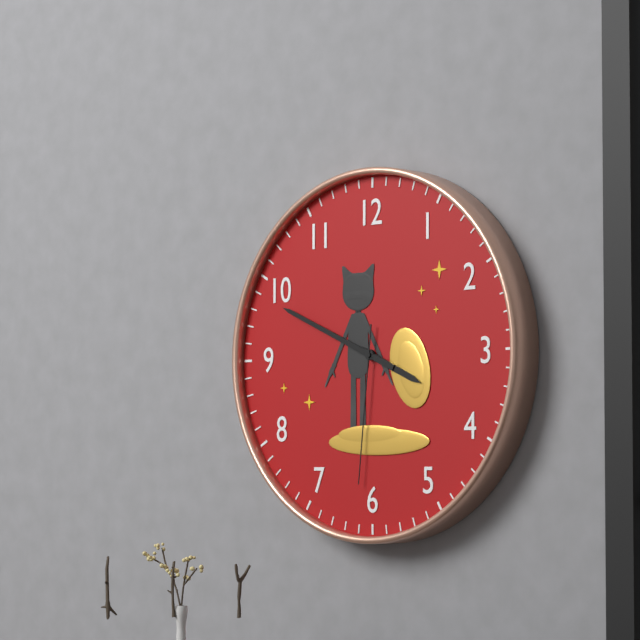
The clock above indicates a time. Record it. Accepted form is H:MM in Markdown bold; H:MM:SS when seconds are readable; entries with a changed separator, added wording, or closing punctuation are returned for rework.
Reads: **3:49:31**
